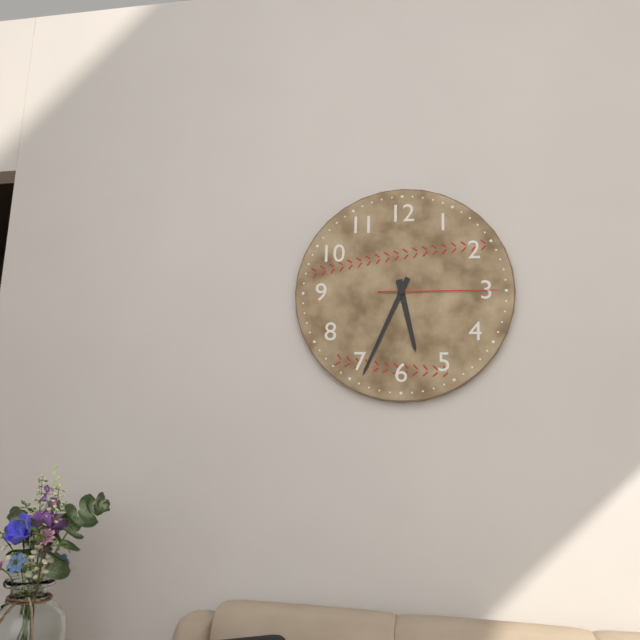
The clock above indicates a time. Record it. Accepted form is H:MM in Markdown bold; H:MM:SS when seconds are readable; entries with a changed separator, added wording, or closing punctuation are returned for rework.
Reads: **5:34:15**
